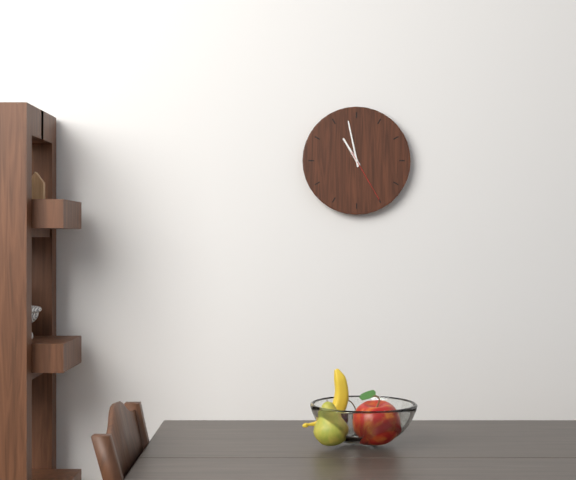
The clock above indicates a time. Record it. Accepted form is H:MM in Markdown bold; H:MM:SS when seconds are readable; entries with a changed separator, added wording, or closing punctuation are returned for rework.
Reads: **10:58:25**
